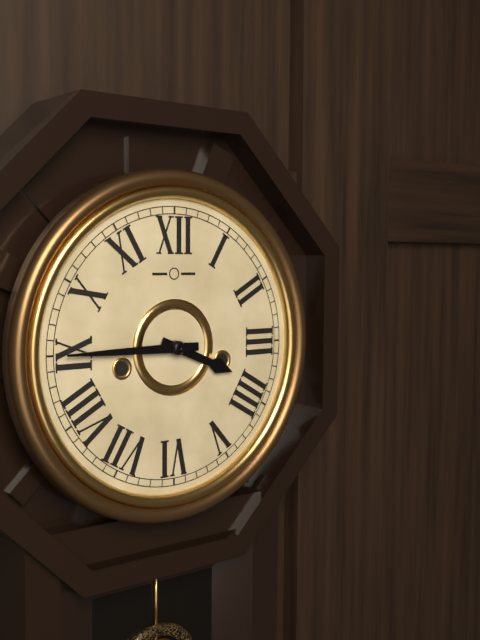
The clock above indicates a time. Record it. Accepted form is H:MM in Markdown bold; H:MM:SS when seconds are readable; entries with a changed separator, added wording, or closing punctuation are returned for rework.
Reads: **3:45**
